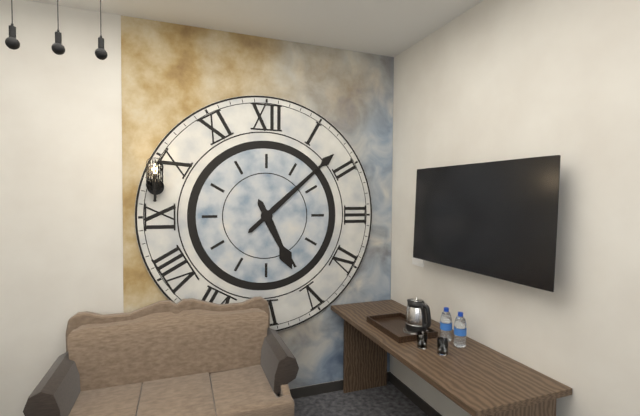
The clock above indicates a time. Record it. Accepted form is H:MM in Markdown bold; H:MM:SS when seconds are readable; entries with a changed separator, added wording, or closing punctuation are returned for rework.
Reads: **5:08**
